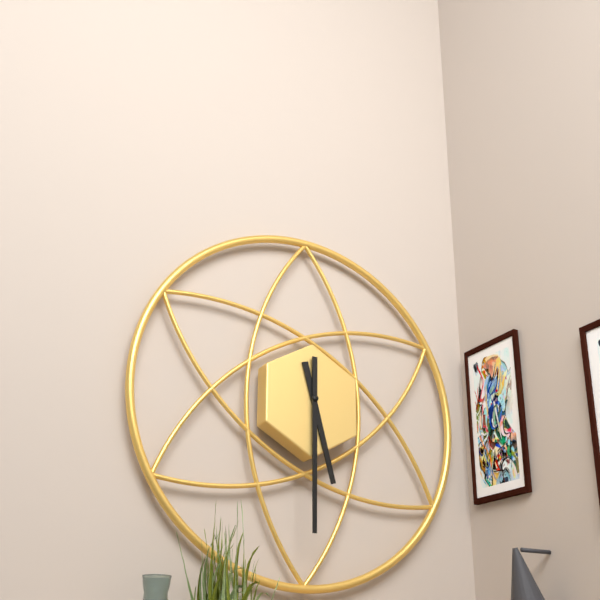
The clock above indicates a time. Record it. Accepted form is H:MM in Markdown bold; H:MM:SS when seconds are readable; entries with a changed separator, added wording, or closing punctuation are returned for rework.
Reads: **5:30**
